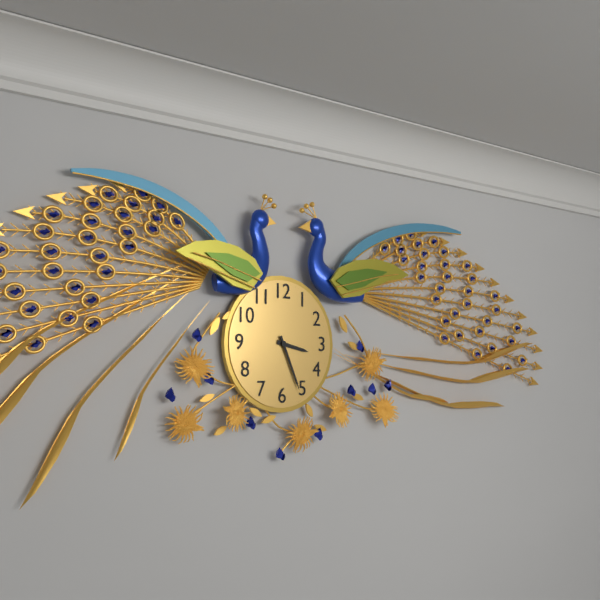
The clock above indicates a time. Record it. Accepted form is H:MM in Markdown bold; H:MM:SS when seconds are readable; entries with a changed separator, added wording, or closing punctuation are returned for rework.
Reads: **3:26**
